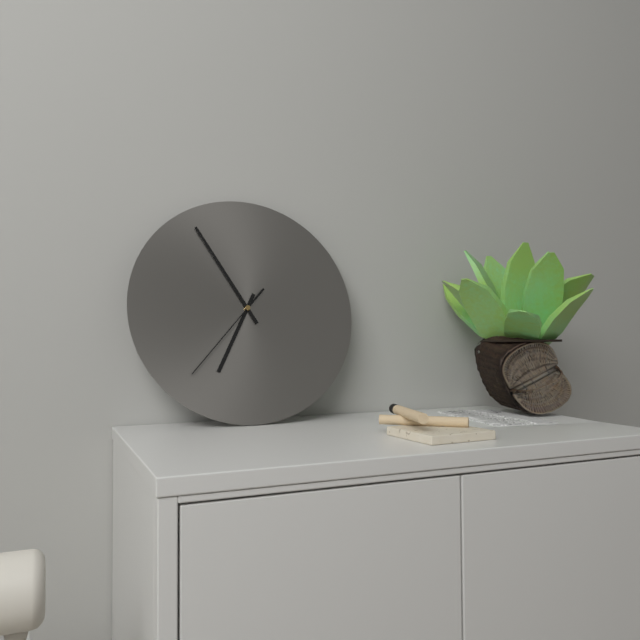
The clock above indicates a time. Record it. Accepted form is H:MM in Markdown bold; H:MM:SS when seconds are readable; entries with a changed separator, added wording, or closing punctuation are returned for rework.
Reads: **6:55:37**
